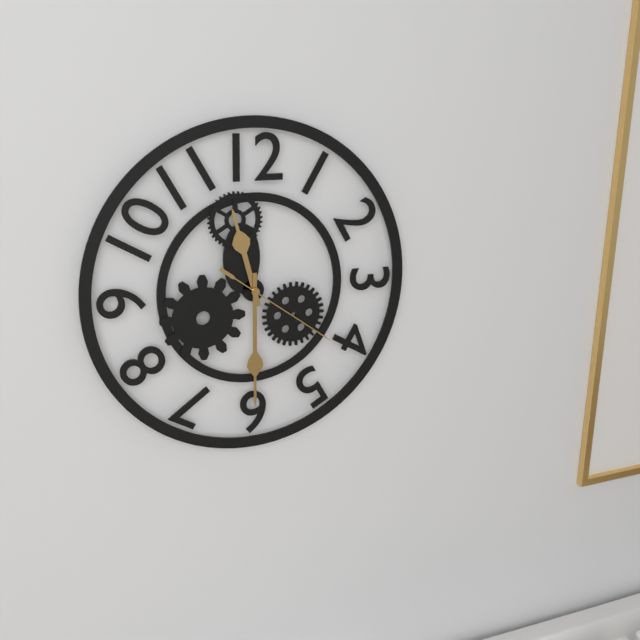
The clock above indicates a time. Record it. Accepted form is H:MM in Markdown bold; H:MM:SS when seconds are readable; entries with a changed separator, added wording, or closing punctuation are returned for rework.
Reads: **11:30:21**
